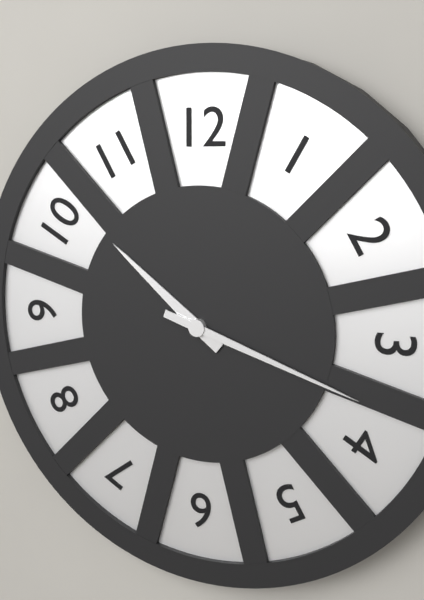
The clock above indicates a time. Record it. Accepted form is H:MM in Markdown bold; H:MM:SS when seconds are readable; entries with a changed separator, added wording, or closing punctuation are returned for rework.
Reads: **10:18**
